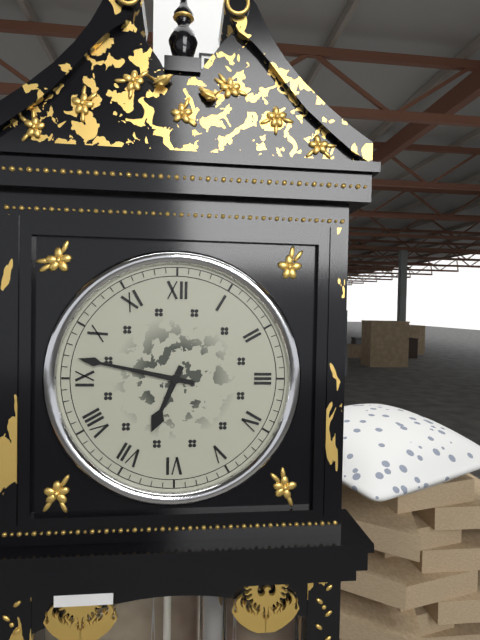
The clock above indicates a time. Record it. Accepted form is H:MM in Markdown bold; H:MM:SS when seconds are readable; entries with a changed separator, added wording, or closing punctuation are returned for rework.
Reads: **6:47**
